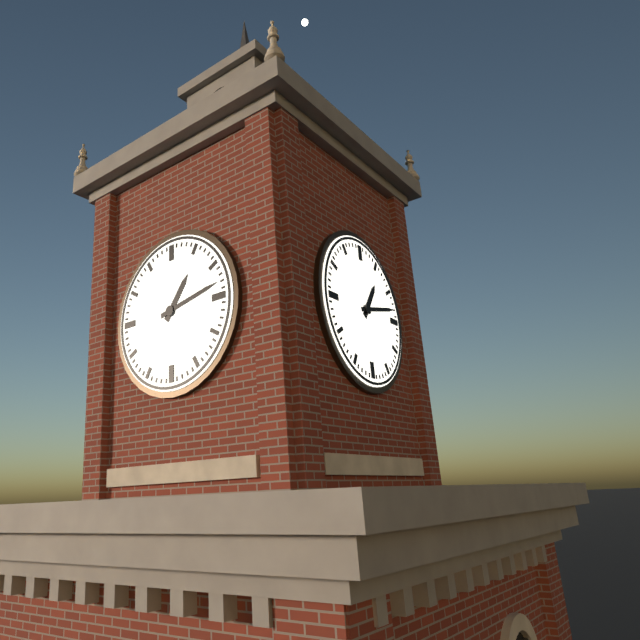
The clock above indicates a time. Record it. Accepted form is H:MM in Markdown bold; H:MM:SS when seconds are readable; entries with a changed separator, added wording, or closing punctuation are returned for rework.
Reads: **1:13**
